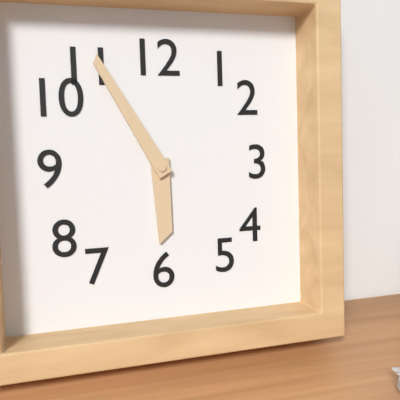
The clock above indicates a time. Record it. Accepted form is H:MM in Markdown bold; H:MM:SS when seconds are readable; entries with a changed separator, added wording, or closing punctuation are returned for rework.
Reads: **5:55**
